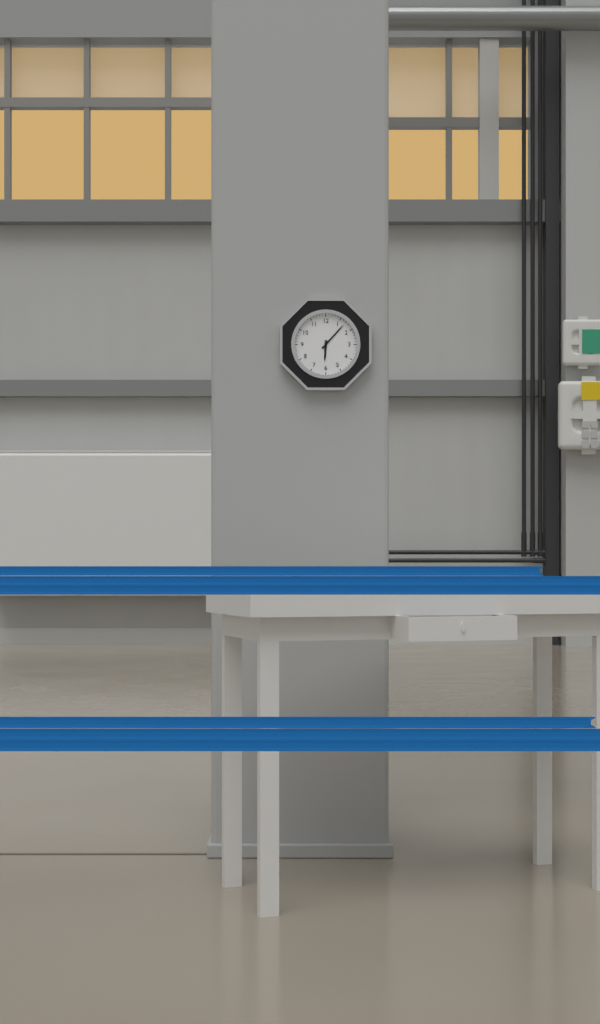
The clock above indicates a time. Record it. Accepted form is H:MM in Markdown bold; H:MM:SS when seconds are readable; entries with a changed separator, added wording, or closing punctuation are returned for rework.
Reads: **6:07**
